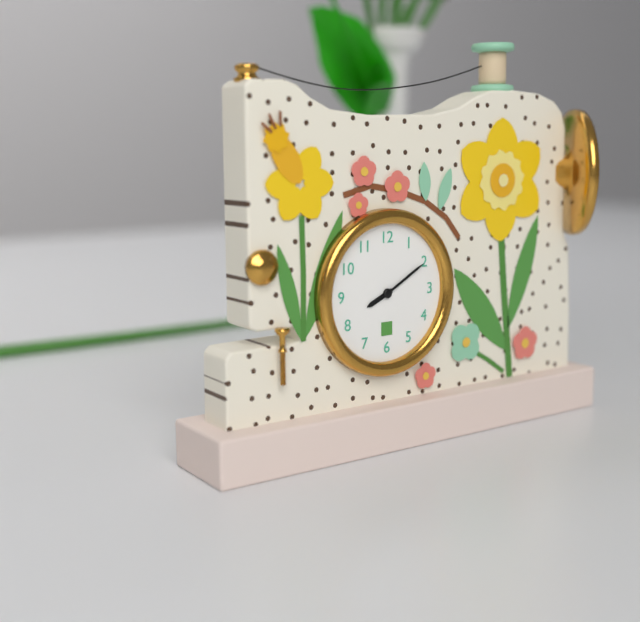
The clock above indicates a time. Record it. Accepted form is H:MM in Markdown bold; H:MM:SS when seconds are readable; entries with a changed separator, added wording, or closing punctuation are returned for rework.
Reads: **8:10**
